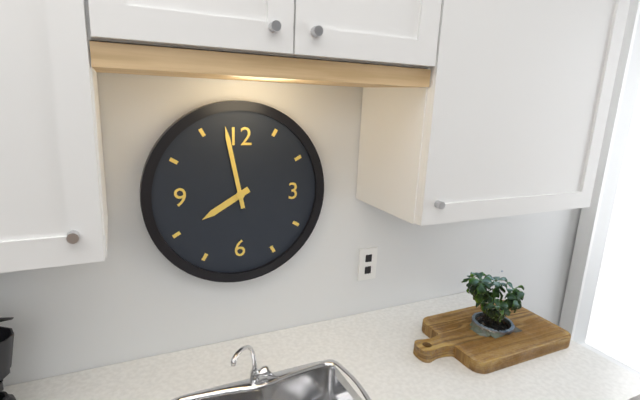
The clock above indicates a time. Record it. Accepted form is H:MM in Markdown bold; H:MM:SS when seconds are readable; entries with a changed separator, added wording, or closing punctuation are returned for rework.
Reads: **7:58**
